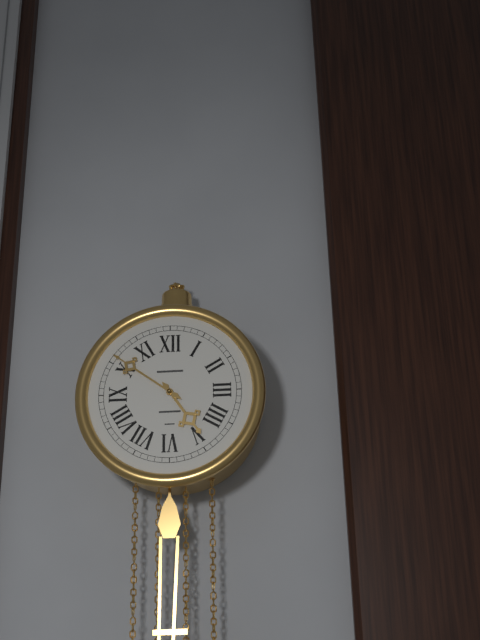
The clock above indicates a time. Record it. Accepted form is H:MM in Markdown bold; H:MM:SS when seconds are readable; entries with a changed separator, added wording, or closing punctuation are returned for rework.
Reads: **4:51**
